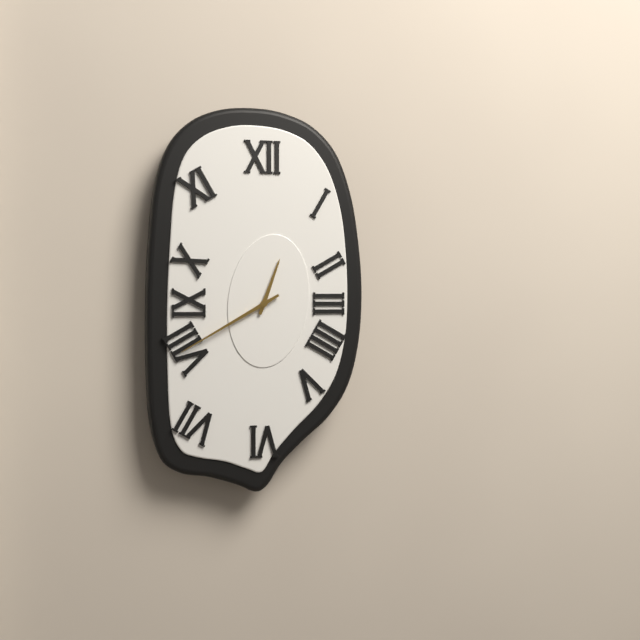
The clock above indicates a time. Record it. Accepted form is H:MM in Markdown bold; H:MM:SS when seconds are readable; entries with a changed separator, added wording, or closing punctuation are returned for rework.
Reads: **12:40**
